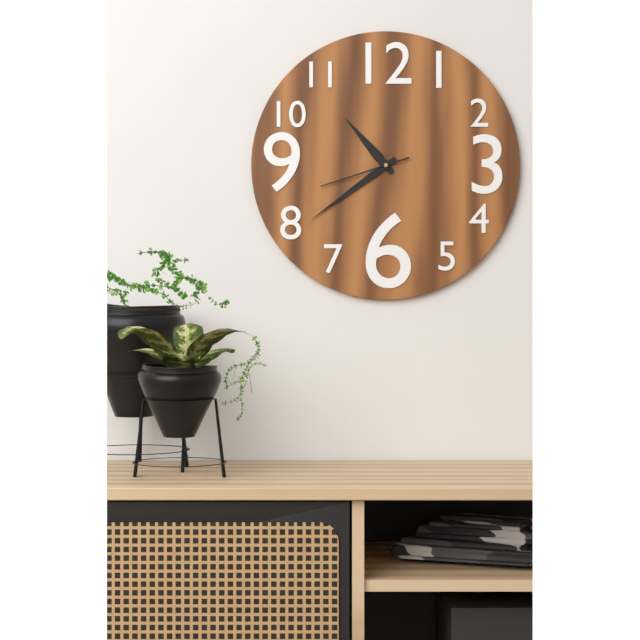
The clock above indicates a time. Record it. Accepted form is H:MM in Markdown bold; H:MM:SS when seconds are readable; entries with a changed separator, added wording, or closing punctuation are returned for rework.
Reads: **10:39:42**
